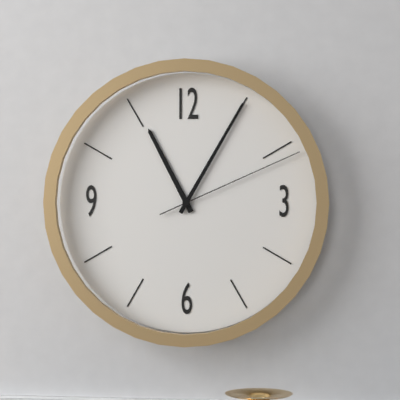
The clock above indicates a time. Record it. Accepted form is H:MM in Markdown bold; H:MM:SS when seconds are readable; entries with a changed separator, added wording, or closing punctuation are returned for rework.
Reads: **11:05:11**
